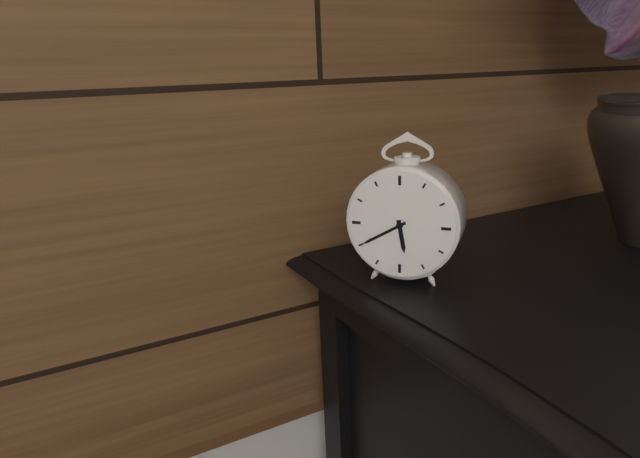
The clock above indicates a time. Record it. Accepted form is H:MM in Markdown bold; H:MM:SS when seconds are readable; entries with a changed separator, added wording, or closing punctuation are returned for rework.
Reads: **5:40**
